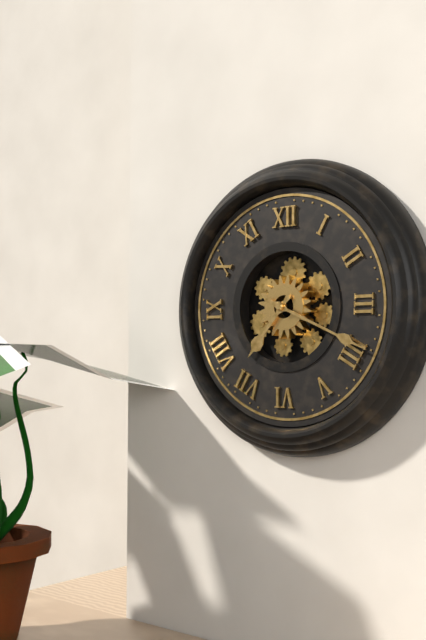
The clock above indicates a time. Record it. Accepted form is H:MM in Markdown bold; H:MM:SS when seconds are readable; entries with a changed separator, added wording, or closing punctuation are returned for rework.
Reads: **7:19**
